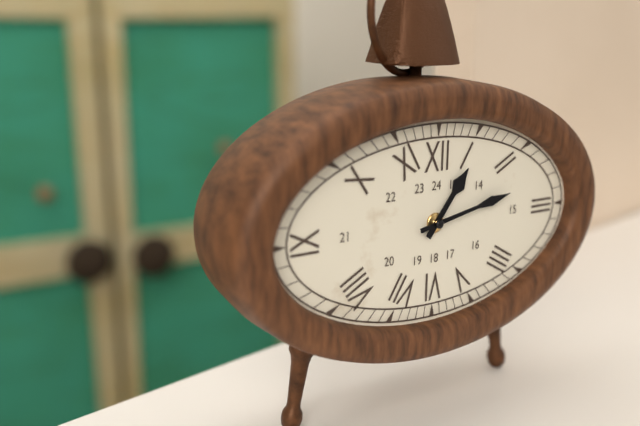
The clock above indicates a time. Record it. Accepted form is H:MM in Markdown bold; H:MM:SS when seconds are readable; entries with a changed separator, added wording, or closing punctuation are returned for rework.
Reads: **1:13**
